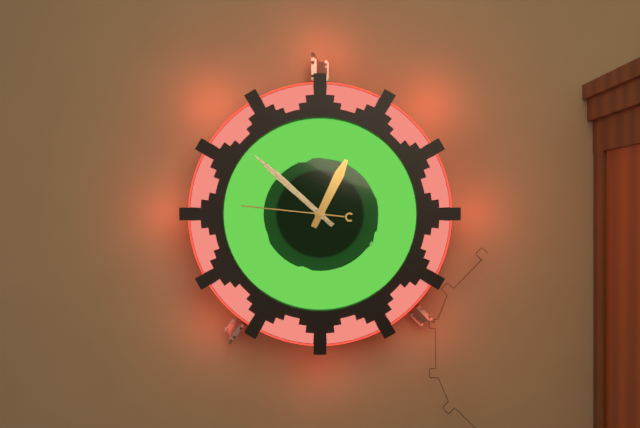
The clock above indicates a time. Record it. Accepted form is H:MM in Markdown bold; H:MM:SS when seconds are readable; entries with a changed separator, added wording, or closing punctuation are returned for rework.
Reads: **12:52:46**
